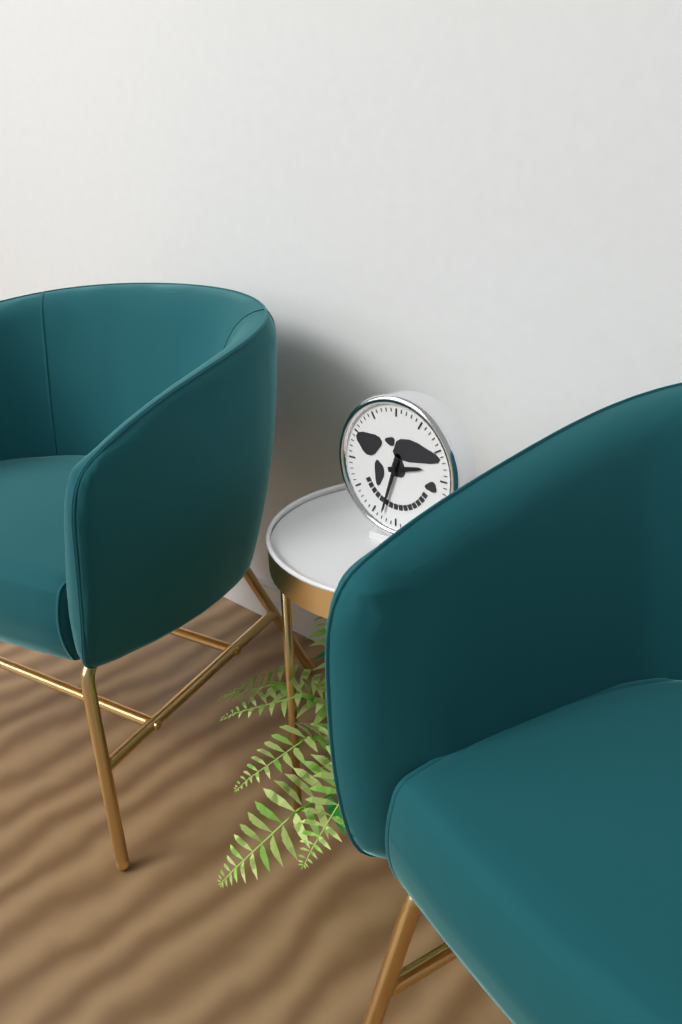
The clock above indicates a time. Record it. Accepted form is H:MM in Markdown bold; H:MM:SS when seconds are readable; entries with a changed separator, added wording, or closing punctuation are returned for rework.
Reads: **2:33**
